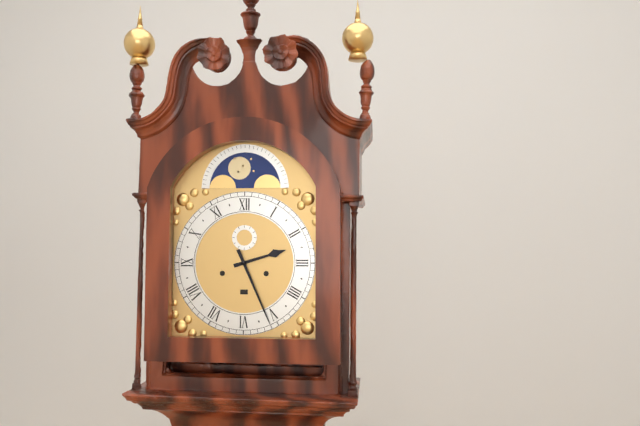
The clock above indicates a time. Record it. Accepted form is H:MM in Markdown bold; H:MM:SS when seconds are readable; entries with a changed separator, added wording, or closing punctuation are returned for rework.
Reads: **2:26**
